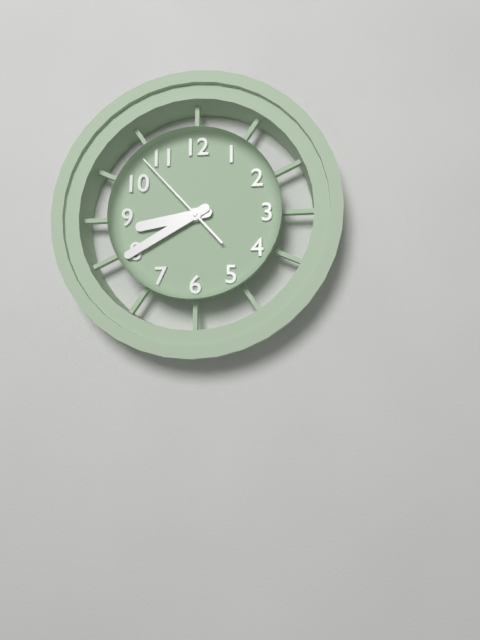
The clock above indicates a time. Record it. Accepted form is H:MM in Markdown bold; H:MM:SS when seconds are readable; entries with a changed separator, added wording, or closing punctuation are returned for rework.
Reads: **8:40:53**
